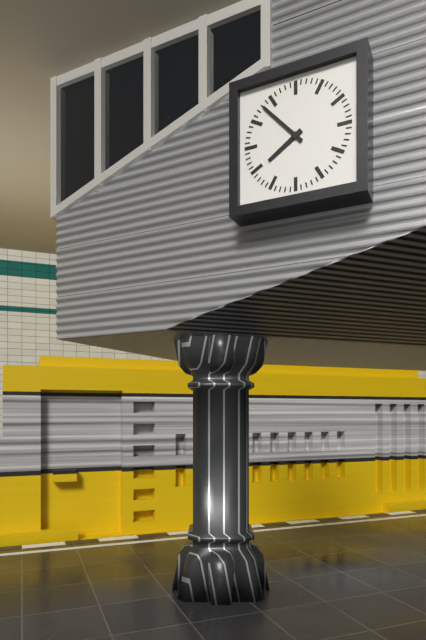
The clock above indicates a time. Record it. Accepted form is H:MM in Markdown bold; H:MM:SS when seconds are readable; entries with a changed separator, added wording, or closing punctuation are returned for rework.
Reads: **7:53**
